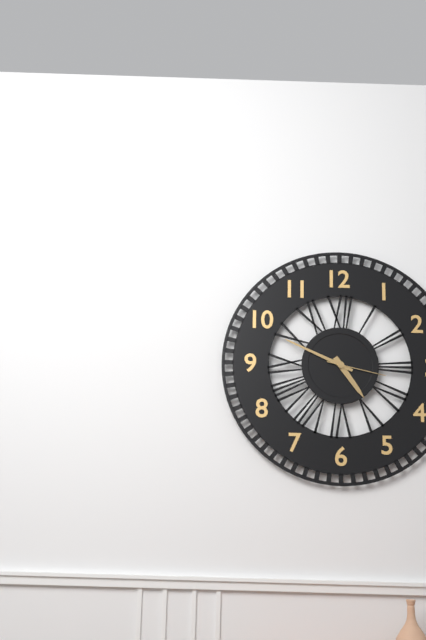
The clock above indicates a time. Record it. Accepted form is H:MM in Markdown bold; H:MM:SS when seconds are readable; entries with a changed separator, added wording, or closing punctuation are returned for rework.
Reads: **4:49:17**
